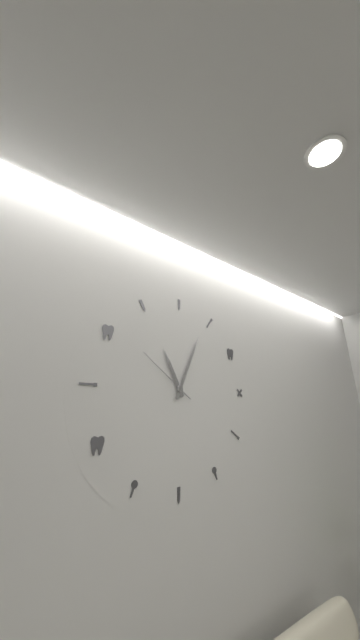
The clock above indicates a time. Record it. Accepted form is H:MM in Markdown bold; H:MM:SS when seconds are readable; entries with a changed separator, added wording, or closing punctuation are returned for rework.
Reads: **11:04:51**
